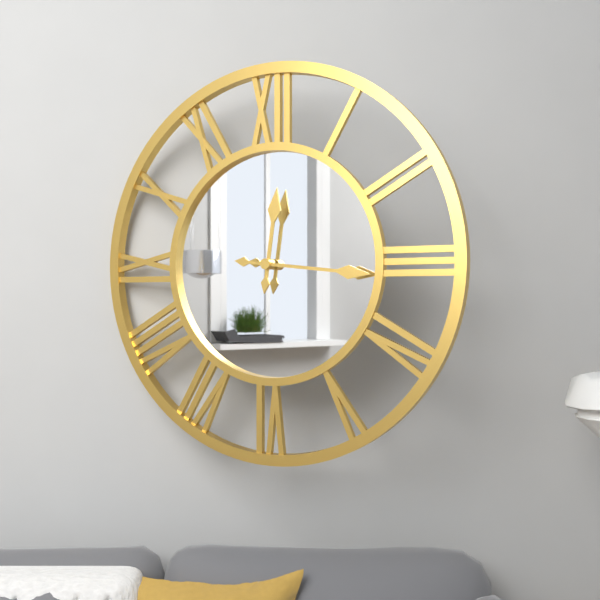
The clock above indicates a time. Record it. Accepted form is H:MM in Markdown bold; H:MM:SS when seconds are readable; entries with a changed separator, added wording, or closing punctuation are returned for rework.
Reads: **12:16**
